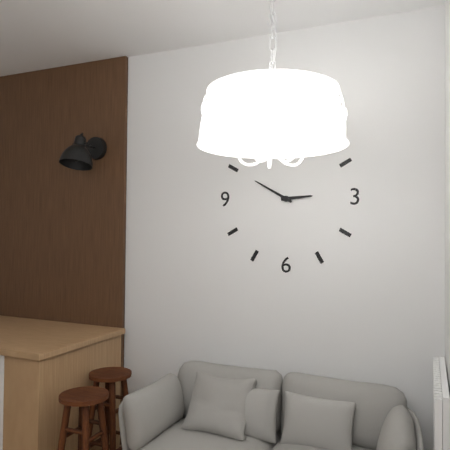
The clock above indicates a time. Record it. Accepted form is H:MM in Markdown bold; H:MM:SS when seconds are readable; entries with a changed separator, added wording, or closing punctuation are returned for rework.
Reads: **2:50**
